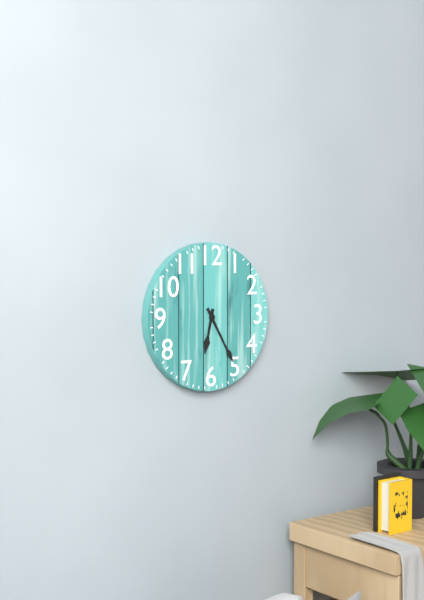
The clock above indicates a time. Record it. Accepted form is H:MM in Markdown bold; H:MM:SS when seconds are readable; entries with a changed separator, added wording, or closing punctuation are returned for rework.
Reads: **6:25**
